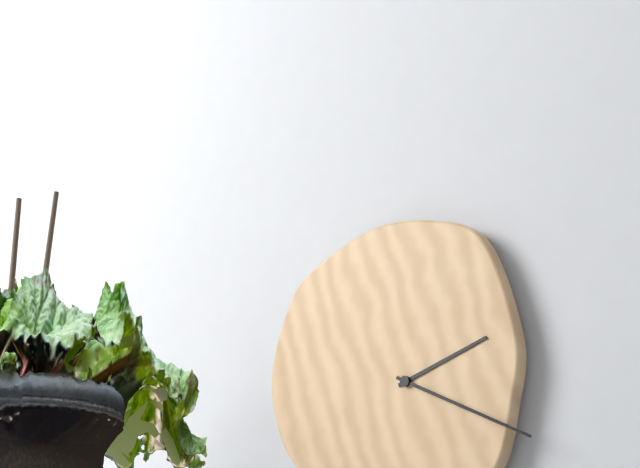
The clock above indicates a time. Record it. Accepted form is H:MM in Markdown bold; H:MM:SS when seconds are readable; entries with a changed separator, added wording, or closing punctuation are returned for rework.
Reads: **2:19**
